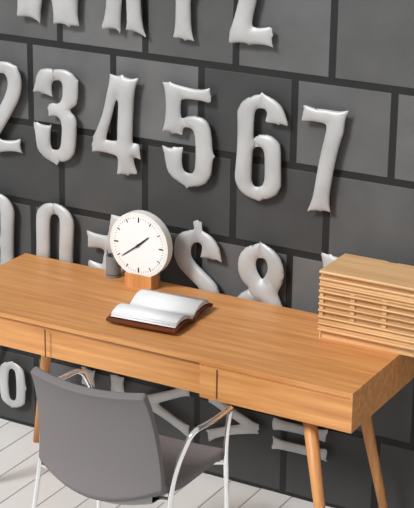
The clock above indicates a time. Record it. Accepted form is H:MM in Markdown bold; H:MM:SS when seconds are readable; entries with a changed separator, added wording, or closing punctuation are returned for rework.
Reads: **1:39**
